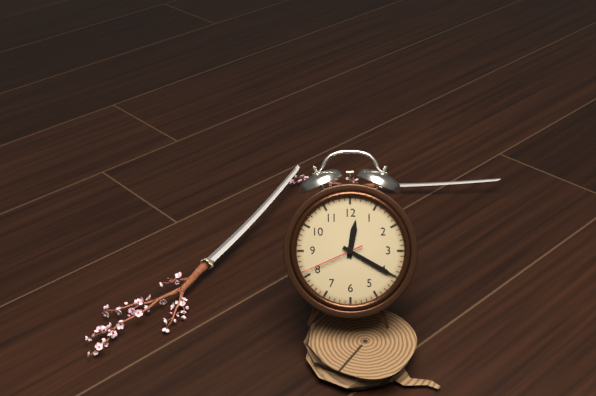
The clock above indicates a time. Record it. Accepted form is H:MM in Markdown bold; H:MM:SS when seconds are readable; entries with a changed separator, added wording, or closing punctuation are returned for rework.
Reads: **12:20:41**
